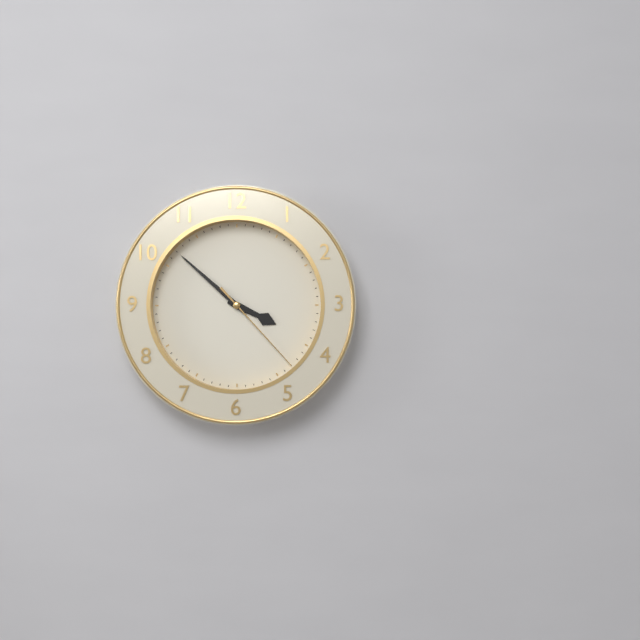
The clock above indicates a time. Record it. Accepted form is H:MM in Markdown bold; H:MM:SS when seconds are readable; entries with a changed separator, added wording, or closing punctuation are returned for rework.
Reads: **3:52:23**
